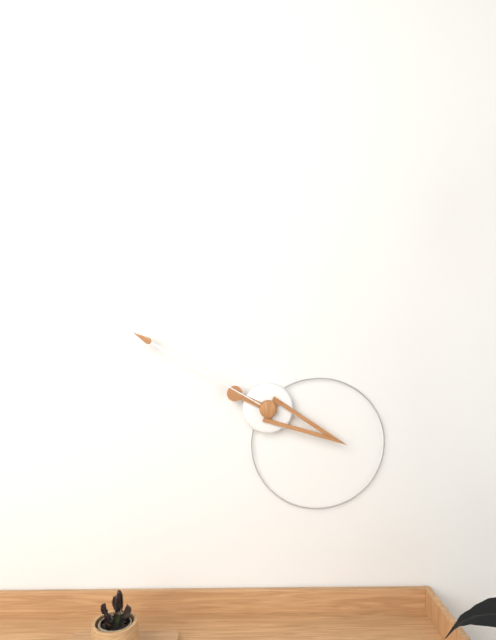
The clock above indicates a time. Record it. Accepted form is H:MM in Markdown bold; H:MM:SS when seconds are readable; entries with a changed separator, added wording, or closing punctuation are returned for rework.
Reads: **3:50**
